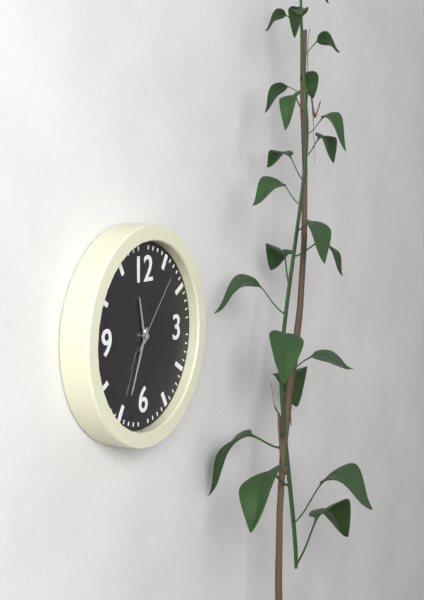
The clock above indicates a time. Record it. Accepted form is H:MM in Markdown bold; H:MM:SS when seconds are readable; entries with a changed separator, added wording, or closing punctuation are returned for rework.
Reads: **11:34:07**
